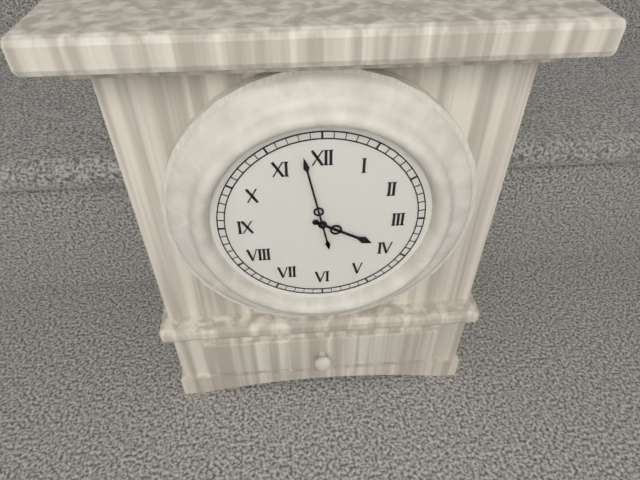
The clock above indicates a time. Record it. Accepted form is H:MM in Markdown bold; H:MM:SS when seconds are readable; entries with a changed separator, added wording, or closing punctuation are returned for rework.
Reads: **3:58**
